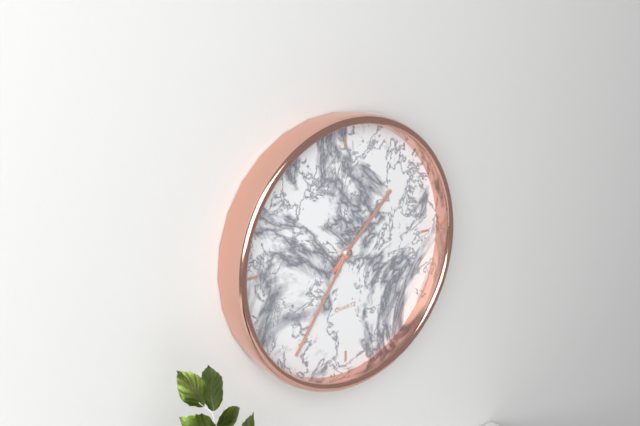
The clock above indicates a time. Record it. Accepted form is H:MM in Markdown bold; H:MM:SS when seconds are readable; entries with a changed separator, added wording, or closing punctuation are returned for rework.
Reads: **1:36**
